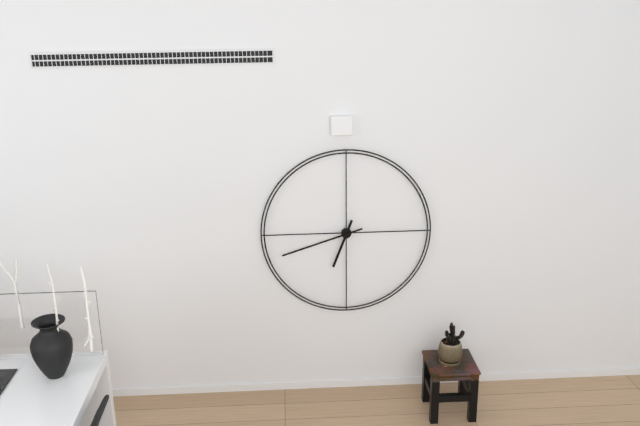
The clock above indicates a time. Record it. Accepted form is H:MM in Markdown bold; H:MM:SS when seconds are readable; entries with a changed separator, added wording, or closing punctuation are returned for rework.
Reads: **6:42**
